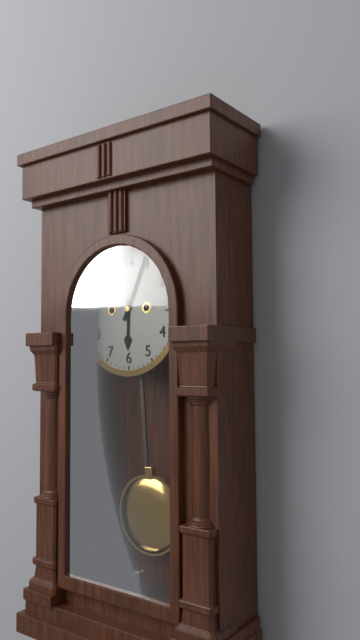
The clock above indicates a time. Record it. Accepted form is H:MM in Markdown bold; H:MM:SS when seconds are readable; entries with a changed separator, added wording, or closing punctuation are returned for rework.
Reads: **6:04**
